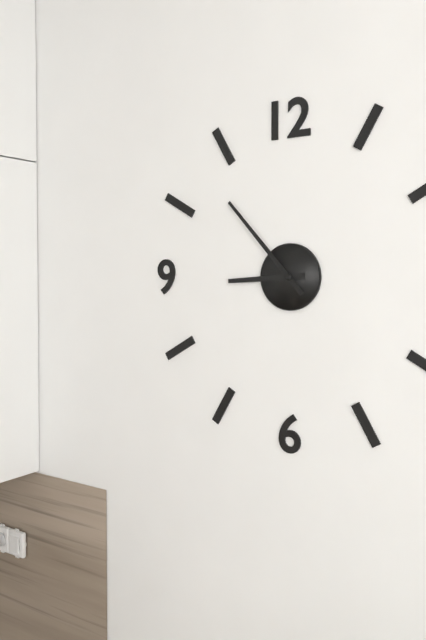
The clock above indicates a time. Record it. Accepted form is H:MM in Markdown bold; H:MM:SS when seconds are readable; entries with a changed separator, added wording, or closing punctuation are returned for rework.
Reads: **8:53**
